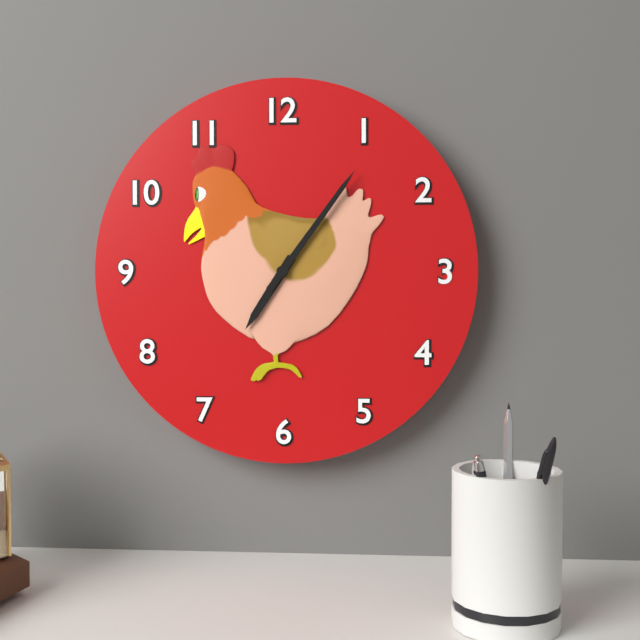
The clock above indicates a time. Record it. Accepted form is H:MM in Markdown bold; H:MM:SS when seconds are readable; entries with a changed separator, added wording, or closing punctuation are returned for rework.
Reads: **7:06**
